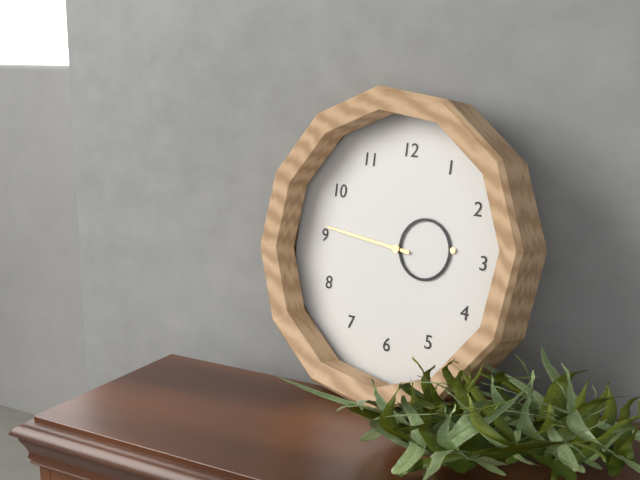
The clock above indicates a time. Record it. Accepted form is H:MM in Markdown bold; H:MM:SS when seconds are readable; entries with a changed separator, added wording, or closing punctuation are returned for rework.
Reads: **2:46**
